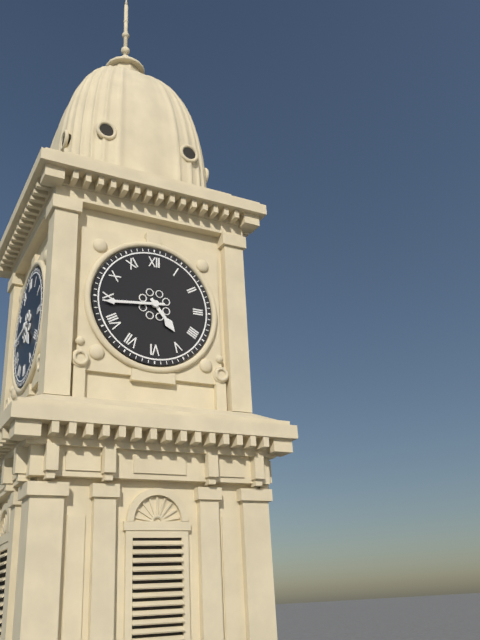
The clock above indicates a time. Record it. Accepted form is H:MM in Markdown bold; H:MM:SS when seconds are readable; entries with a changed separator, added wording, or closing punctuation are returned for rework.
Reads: **4:44**
